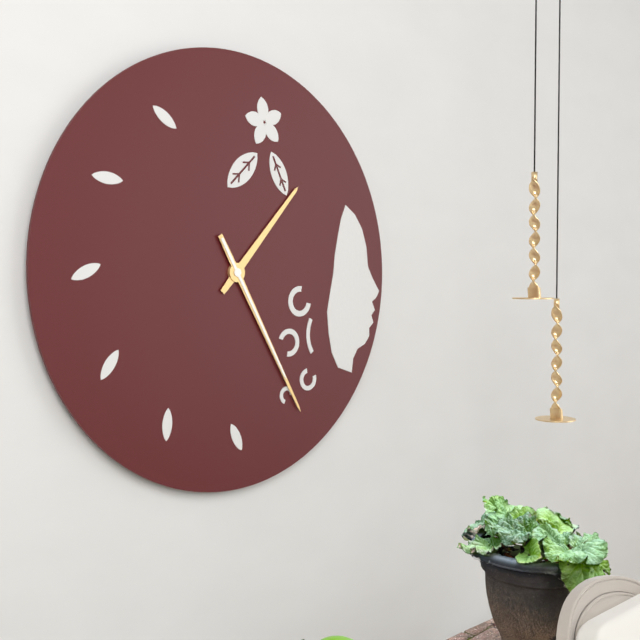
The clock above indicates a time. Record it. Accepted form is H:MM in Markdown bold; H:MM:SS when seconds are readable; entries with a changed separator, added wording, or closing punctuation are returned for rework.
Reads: **1:25:25**
